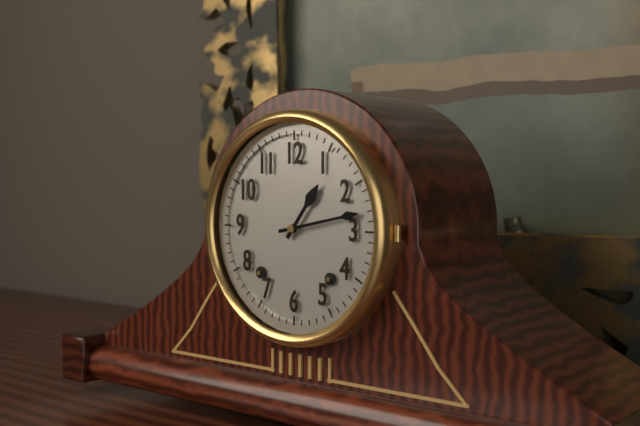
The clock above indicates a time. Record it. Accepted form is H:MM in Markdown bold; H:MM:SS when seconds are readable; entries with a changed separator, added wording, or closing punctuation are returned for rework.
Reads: **1:13**
